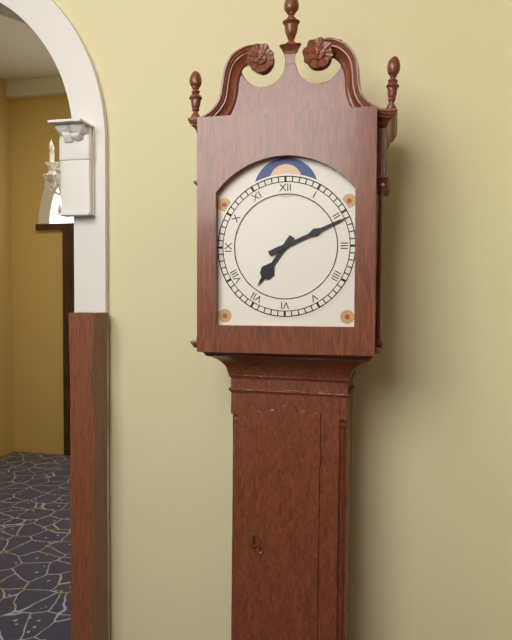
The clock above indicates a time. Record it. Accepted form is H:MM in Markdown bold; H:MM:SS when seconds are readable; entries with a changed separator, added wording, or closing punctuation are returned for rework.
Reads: **7:11**
